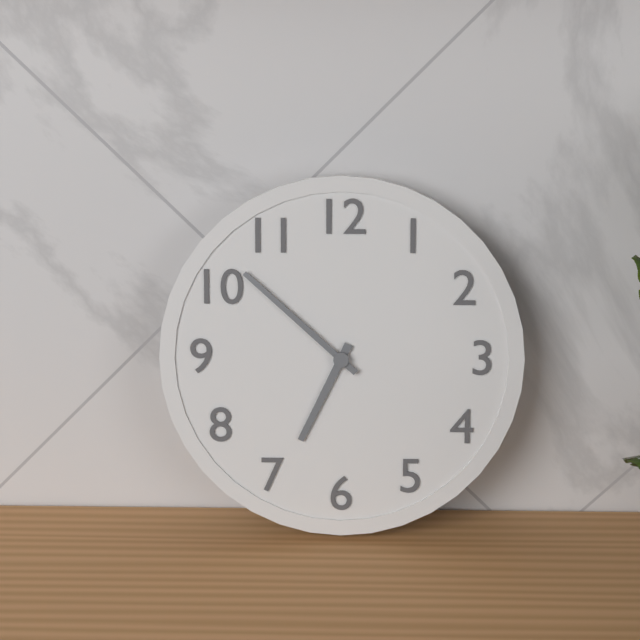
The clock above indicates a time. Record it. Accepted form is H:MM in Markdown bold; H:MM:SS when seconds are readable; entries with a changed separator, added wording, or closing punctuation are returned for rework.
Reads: **6:52**
